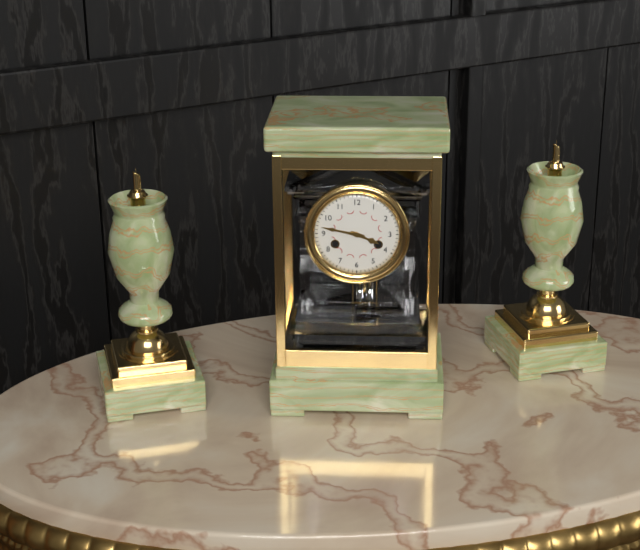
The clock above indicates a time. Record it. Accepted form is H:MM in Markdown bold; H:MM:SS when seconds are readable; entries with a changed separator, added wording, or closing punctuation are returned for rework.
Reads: **3:47**
